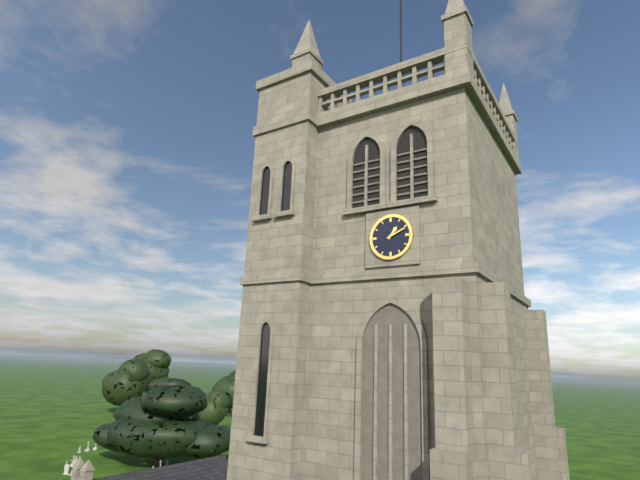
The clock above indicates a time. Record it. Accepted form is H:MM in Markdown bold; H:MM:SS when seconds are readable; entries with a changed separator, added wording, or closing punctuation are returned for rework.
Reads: **1:11**
